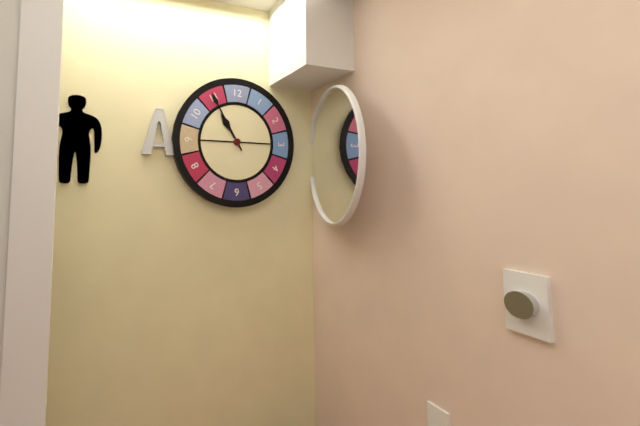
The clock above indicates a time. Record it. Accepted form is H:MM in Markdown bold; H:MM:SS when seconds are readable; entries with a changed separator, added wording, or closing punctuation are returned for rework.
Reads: **10:55**
